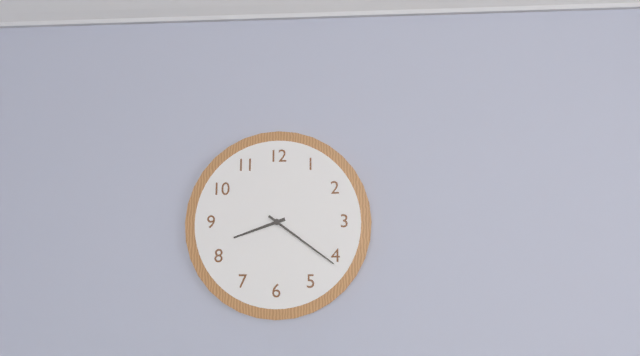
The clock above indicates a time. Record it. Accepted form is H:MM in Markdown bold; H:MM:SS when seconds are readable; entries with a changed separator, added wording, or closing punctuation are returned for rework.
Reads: **8:21**
